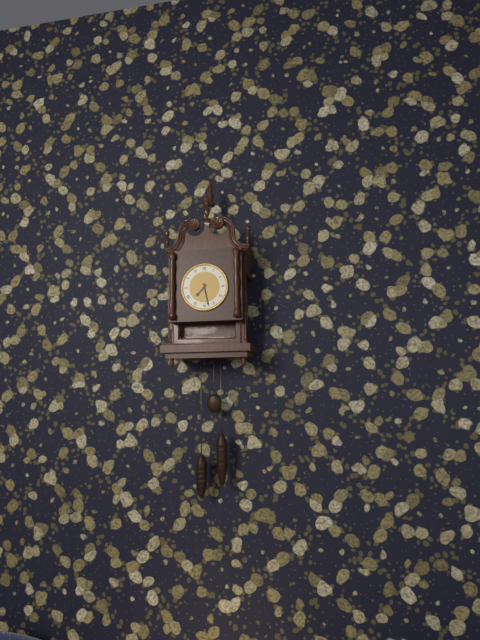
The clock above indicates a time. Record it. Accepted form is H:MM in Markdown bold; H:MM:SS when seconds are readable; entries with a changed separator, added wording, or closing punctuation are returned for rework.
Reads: **7:28**
